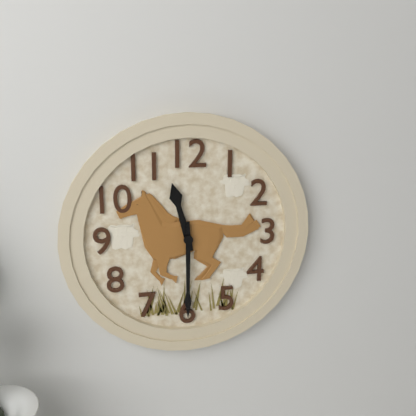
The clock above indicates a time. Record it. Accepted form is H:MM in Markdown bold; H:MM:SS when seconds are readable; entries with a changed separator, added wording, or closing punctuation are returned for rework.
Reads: **11:30**
